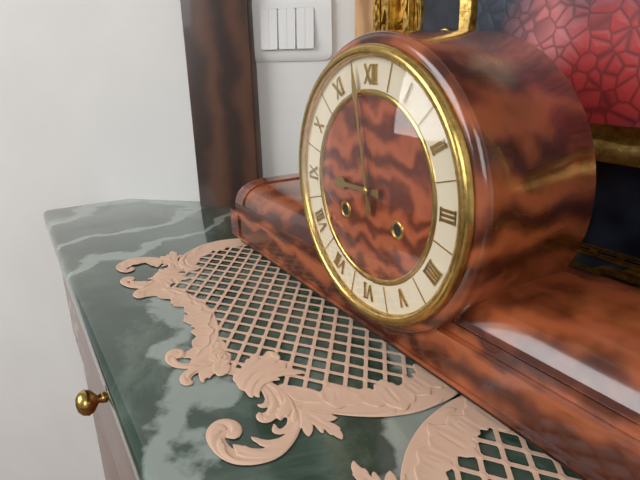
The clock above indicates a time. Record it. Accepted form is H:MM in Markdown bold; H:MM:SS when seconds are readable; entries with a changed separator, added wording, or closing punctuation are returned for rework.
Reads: **8:58**
